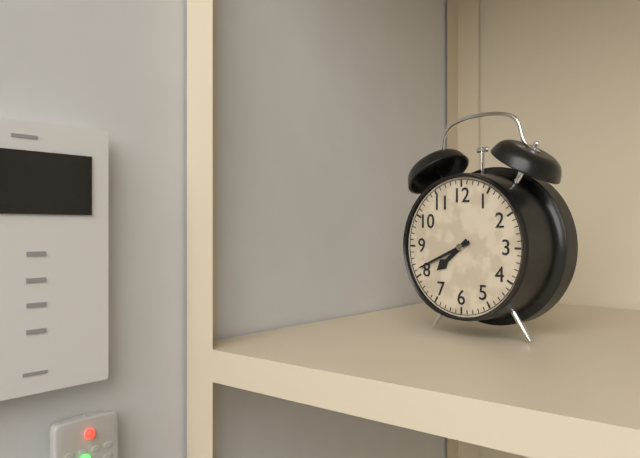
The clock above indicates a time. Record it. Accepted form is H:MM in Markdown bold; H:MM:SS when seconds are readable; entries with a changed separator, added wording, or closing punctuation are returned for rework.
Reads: **7:41**
